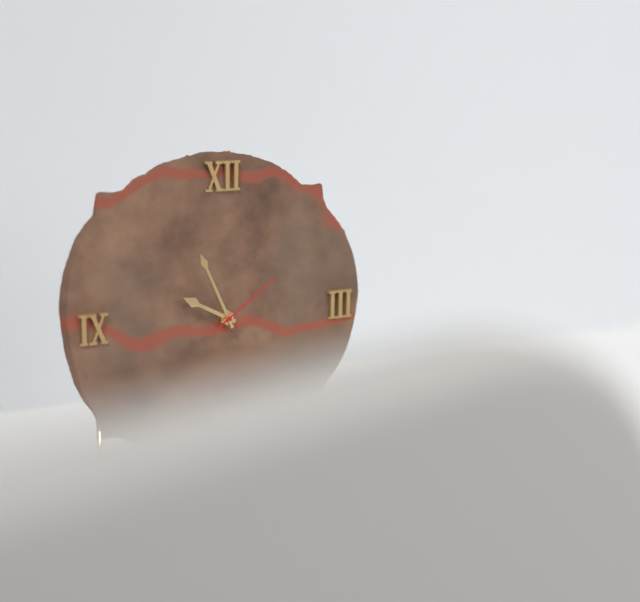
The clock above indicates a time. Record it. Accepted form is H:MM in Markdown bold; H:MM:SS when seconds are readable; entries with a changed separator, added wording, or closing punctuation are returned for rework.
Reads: **9:56:09**
